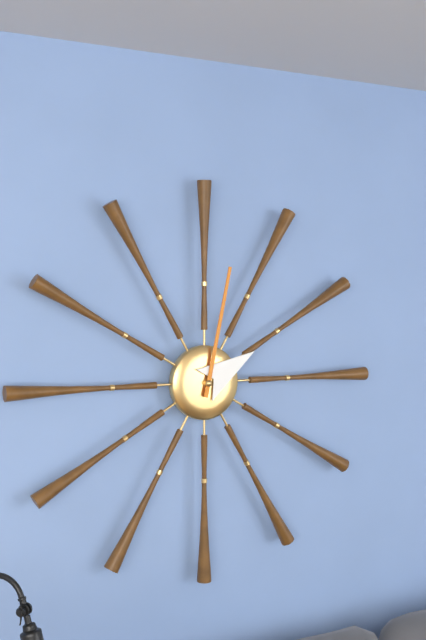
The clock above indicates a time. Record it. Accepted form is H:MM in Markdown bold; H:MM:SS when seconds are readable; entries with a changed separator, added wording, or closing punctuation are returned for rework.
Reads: **2:02**
